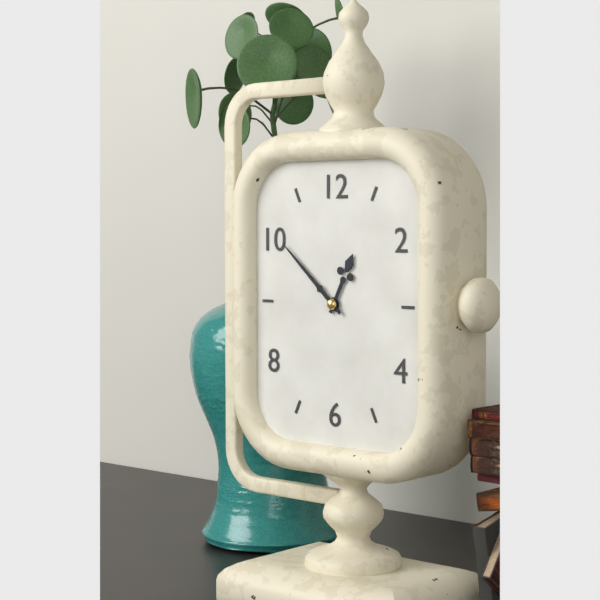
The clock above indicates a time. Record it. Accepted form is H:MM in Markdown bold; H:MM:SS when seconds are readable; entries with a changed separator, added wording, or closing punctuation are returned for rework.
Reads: **12:52**
